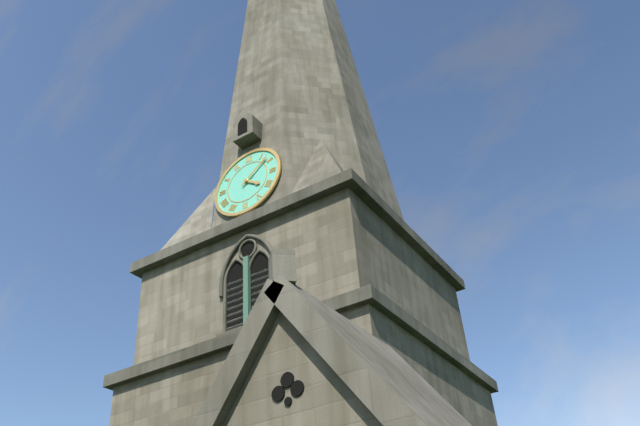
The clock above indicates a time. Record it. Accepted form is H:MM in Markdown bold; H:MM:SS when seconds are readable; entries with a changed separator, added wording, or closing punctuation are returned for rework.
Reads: **4:08**
